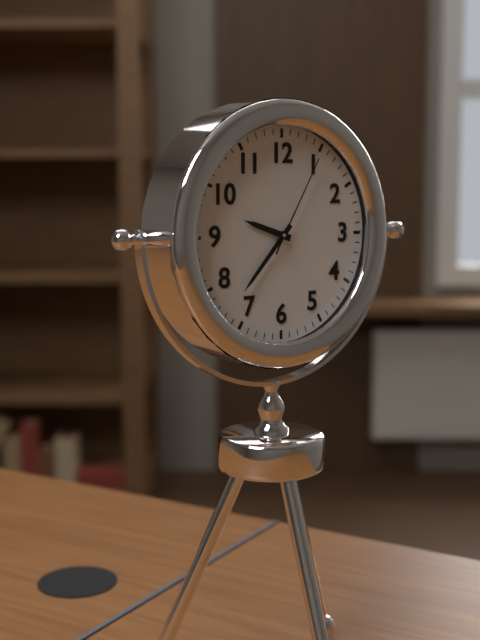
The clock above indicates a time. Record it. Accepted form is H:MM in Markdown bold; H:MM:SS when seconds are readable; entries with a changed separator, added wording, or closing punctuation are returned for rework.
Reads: **9:37:05**
